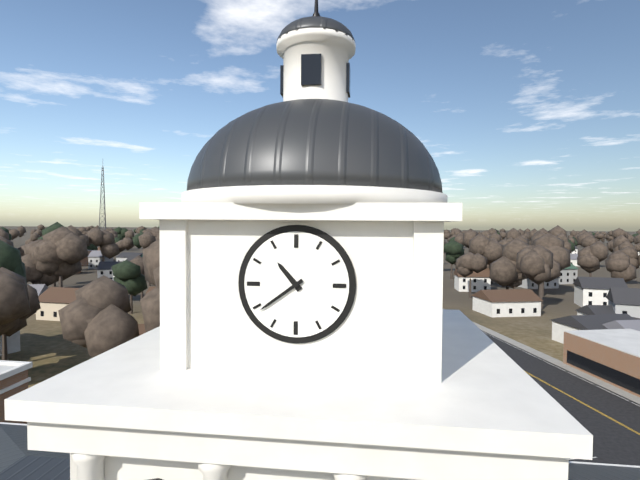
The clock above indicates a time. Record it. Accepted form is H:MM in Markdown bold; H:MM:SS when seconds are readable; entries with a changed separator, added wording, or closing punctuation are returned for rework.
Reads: **10:39**
